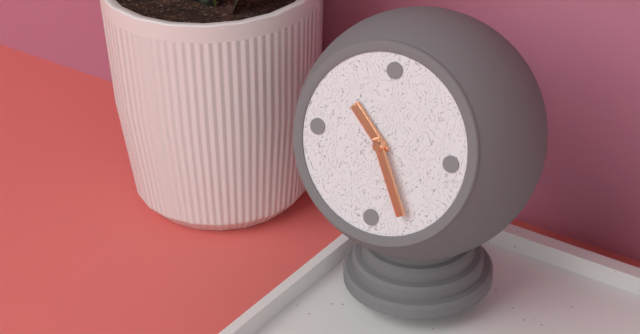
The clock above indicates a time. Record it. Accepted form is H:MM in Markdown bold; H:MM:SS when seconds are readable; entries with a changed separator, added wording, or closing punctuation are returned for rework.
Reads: **10:25**
